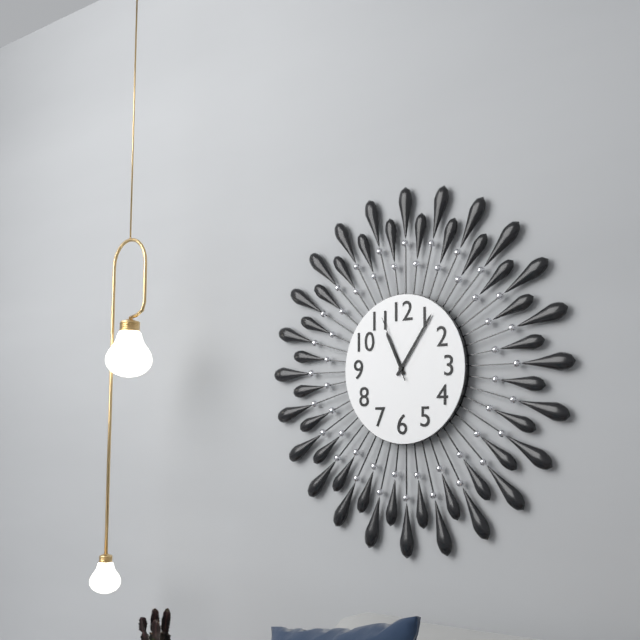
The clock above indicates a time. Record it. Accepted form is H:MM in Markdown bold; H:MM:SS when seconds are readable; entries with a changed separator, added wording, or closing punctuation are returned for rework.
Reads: **11:06:56**
